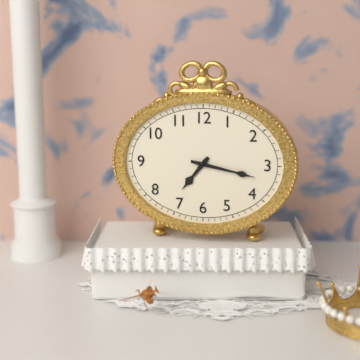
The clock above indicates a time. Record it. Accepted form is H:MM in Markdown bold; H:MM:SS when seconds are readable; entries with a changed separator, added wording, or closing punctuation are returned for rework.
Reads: **7:17**
